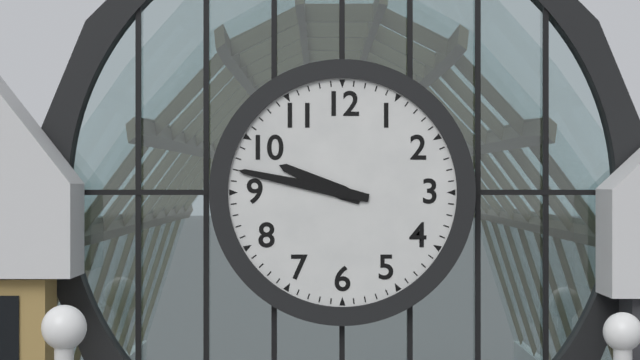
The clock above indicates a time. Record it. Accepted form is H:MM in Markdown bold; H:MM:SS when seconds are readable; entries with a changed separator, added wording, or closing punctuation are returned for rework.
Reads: **9:47**
